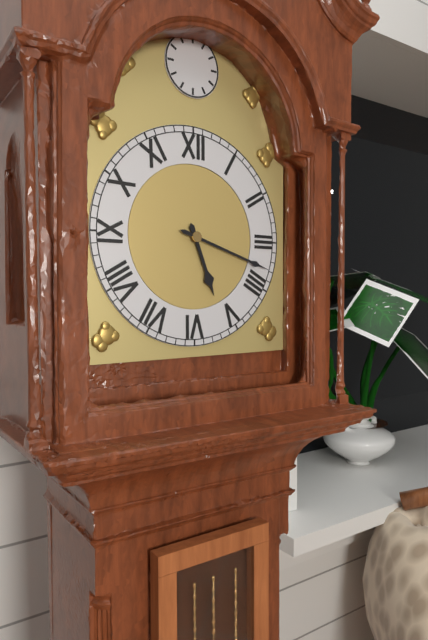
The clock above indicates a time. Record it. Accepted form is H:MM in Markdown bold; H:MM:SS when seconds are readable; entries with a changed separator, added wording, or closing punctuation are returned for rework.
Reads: **5:18**
